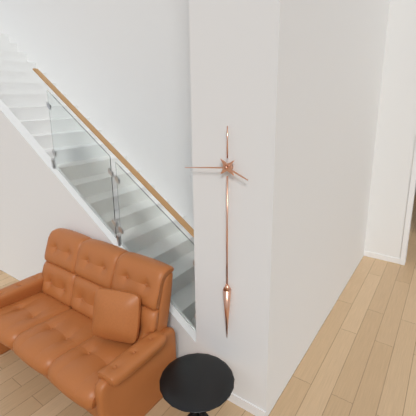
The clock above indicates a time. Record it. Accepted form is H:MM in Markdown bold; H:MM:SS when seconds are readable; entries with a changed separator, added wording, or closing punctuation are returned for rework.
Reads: **3:44**
